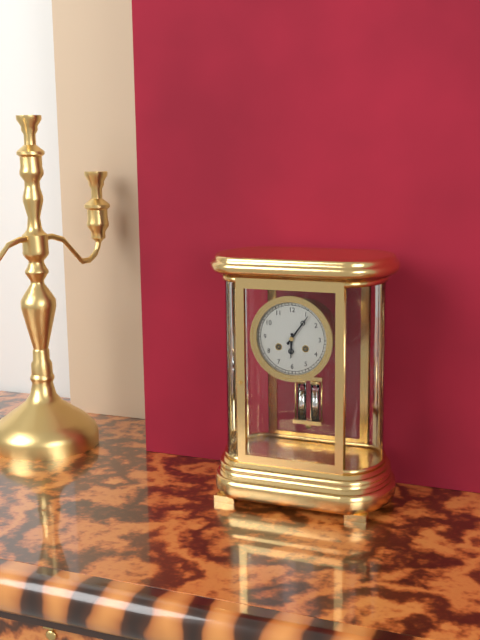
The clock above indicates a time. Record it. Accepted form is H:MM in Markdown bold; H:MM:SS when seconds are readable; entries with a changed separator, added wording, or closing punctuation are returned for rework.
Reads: **6:06**
